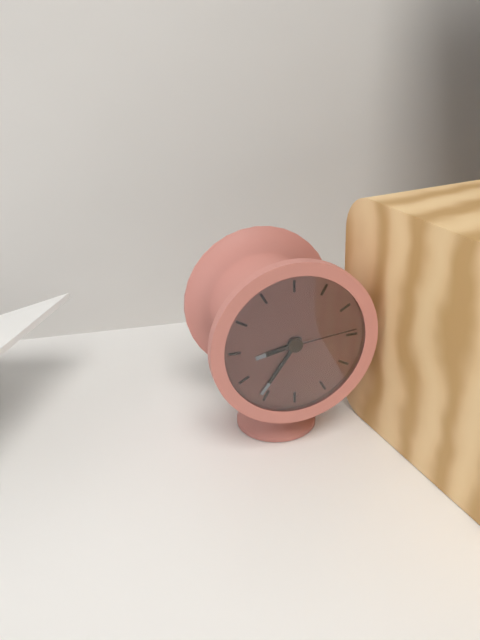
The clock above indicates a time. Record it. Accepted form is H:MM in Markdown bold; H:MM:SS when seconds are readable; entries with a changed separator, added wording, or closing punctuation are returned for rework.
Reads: **8:36:14**
